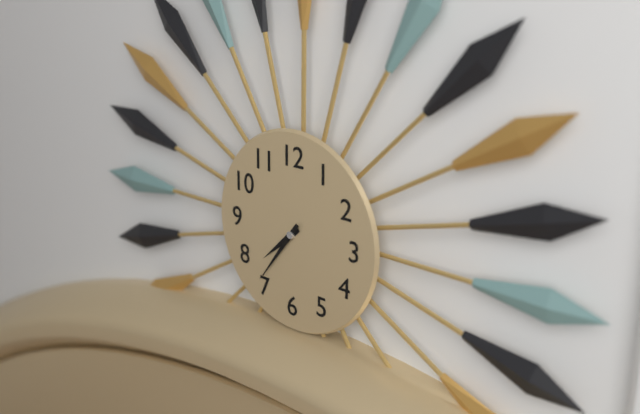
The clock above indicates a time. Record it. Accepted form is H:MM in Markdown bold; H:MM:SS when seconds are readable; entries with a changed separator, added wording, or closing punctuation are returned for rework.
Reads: **7:36**
